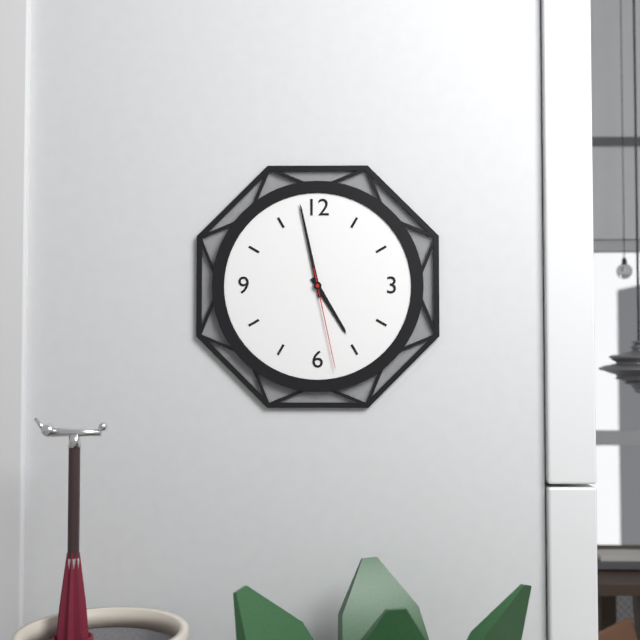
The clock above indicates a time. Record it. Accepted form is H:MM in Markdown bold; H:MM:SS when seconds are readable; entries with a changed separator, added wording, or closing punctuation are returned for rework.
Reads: **4:58:28**
